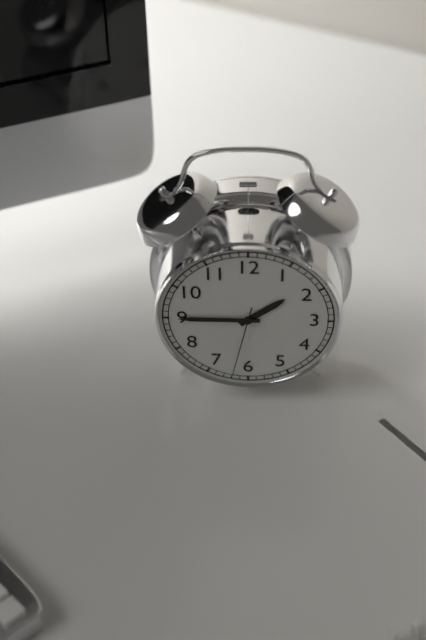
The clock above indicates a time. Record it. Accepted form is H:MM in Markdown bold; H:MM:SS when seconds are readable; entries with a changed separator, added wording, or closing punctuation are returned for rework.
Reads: **1:45:32**
